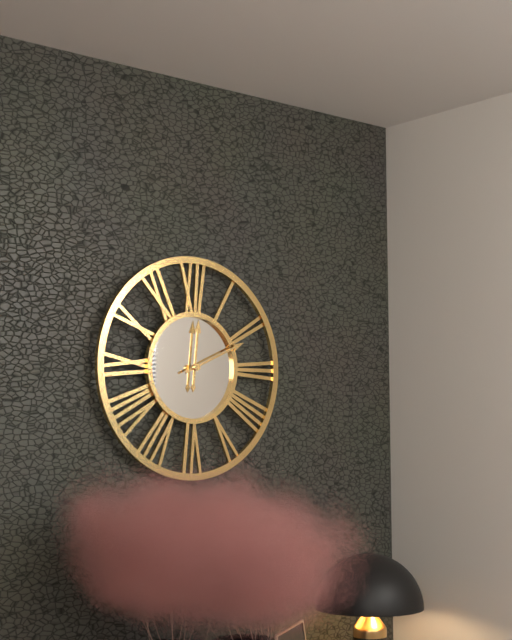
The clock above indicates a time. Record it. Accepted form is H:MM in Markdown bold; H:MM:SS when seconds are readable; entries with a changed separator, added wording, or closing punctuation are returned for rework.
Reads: **12:11**
